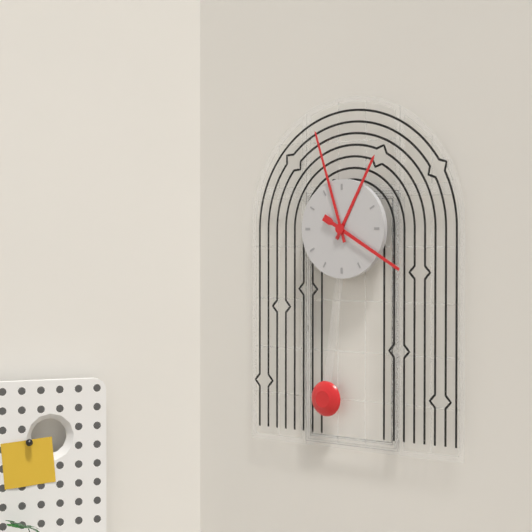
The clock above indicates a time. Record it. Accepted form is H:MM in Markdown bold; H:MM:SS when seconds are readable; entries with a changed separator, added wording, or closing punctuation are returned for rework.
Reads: **12:57:20**
